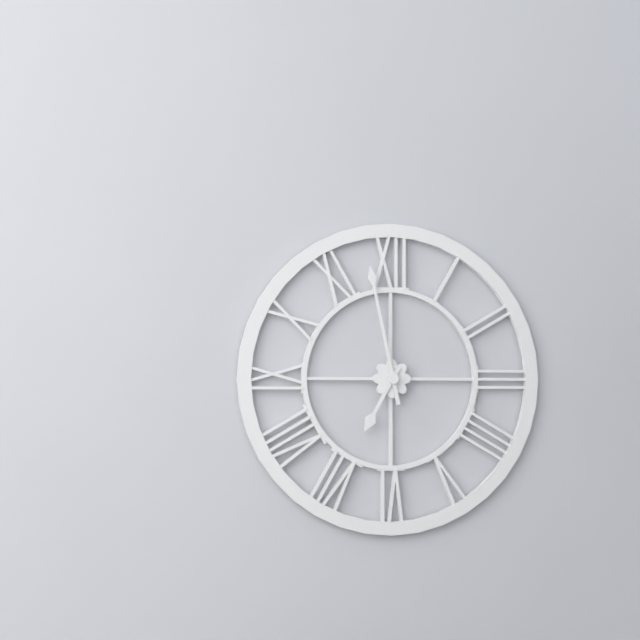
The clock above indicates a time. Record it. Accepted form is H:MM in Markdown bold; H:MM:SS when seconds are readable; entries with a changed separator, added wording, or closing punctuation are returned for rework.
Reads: **6:58**
